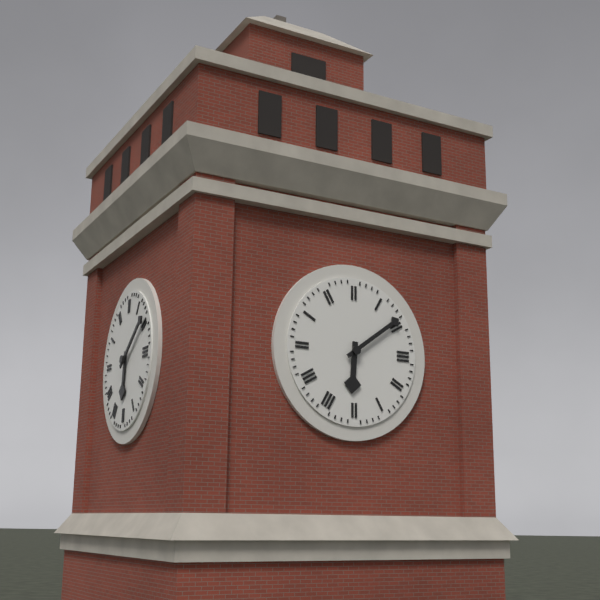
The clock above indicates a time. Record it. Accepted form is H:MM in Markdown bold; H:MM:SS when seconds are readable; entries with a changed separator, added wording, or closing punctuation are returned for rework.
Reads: **6:09**
